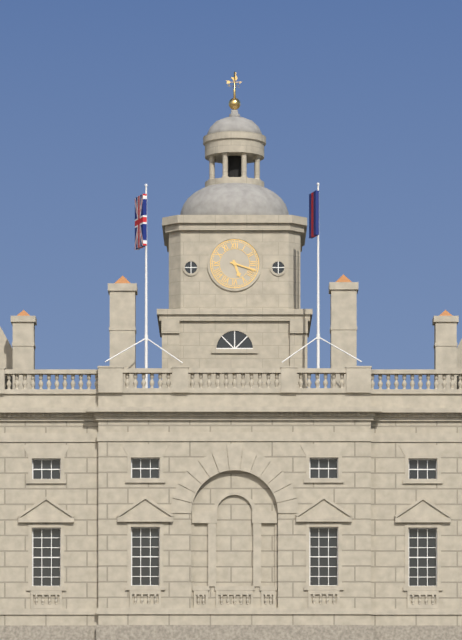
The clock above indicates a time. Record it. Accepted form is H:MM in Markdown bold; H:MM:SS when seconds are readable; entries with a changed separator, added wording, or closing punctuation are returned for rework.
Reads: **5:18**
